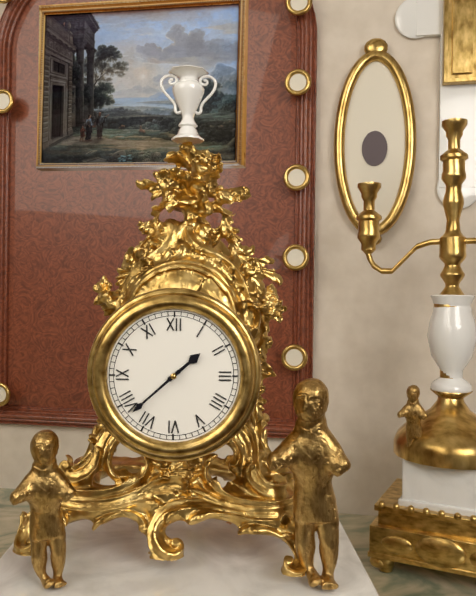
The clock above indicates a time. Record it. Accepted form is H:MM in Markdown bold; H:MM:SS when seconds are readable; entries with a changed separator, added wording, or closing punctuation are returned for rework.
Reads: **1:38**
